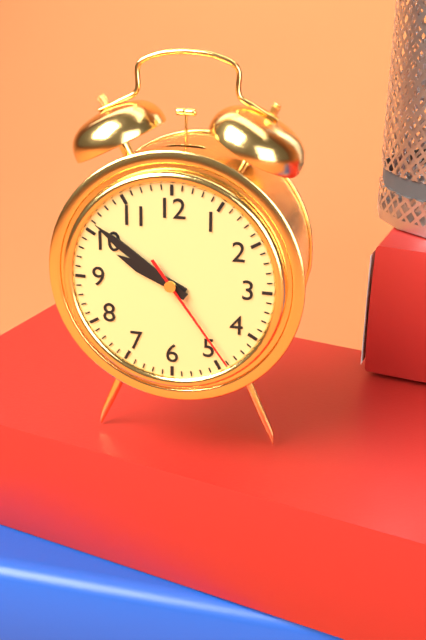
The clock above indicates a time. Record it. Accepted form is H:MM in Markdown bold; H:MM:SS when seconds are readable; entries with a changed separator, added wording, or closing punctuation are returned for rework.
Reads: **9:51:24**
